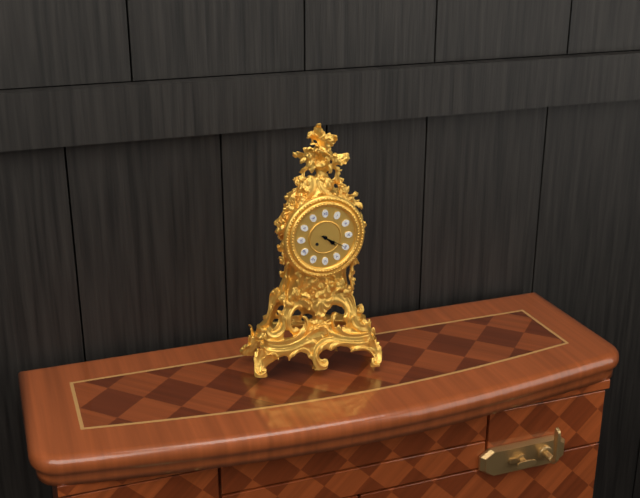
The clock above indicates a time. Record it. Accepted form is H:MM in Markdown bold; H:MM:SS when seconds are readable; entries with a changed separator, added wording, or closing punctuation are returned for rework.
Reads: **4:20**
